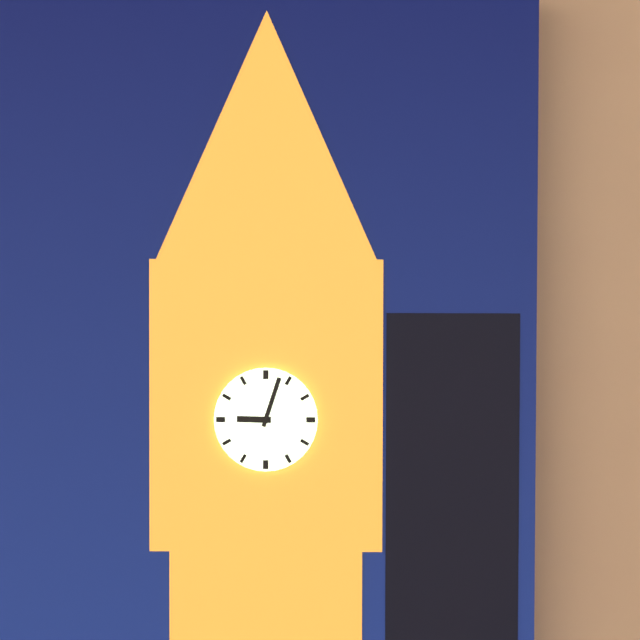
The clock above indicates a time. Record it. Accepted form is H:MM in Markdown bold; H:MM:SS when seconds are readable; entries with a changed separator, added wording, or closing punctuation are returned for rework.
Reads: **9:03**
